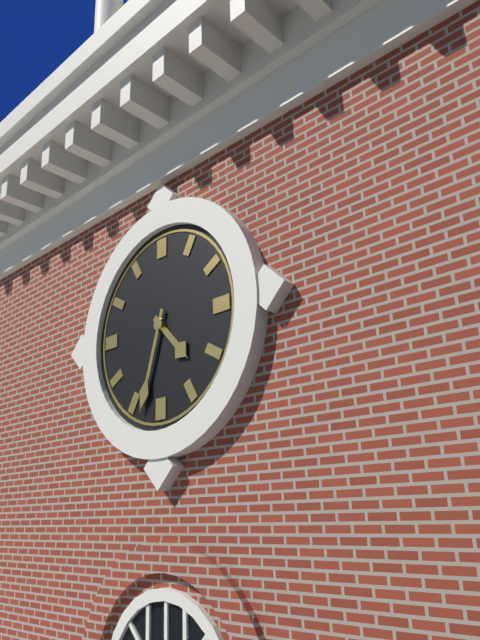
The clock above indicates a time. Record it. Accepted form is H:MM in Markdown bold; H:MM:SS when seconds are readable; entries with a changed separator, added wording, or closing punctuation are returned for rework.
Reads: **4:33**
